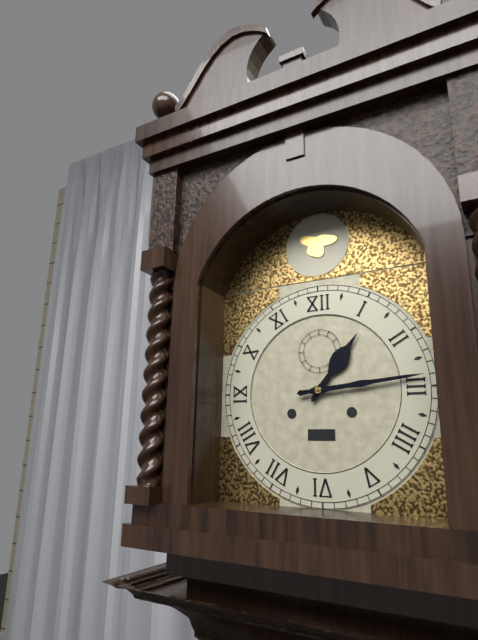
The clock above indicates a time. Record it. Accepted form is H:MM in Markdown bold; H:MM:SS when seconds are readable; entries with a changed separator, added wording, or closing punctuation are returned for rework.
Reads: **1:14**
